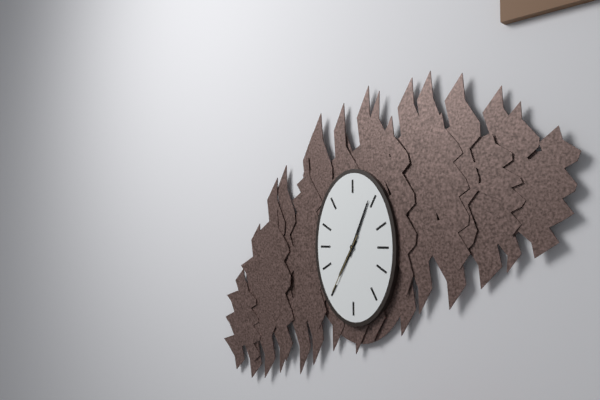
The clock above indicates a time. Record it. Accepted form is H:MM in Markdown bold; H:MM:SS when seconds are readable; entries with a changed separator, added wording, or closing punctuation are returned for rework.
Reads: **7:04:35**
